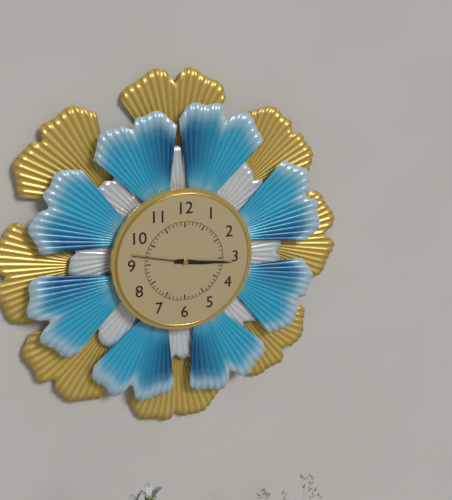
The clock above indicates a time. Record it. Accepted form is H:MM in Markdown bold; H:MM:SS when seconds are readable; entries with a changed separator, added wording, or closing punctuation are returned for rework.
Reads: **3:16:47**
